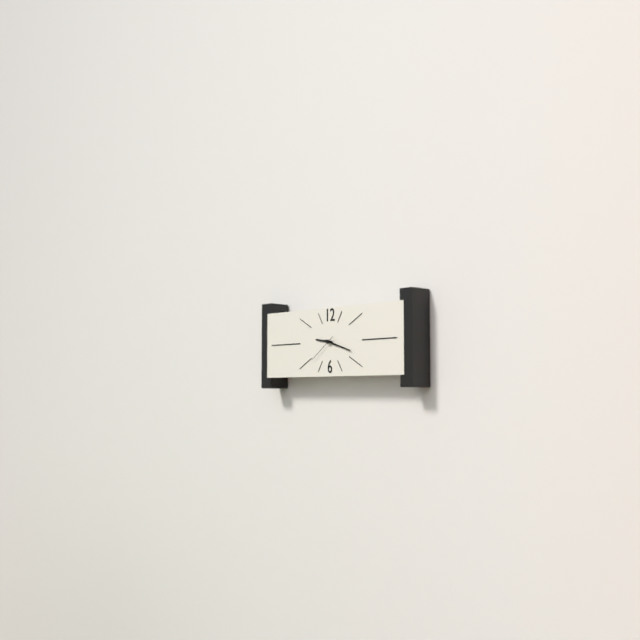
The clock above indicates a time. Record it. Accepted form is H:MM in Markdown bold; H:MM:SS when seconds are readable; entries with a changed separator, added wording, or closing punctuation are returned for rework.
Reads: **9:18**
